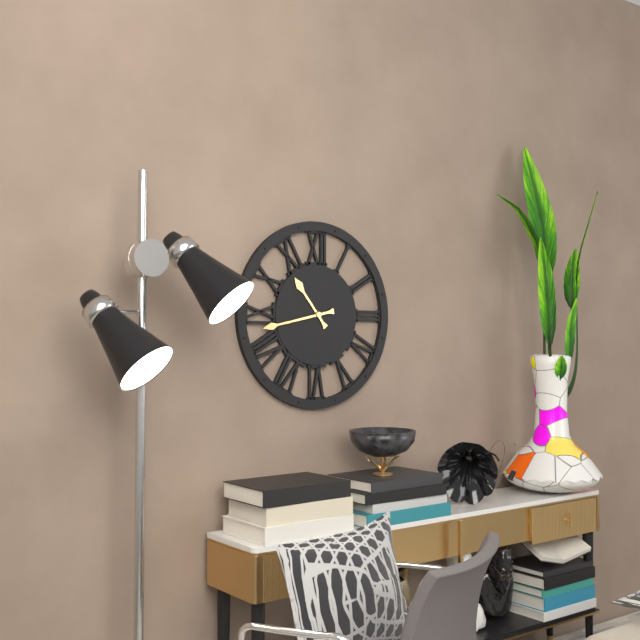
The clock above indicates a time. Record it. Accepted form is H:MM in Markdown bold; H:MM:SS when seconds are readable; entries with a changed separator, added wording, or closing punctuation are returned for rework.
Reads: **10:43**
